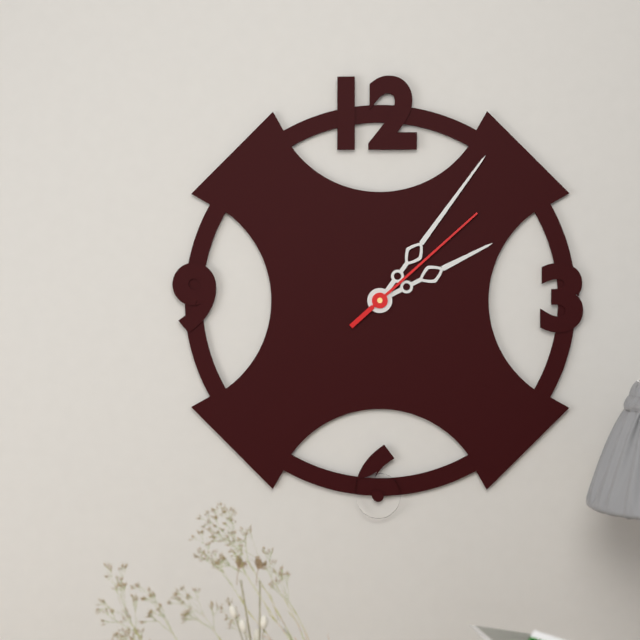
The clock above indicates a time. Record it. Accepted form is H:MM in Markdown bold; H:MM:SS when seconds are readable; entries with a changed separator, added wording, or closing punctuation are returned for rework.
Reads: **2:06:08**
